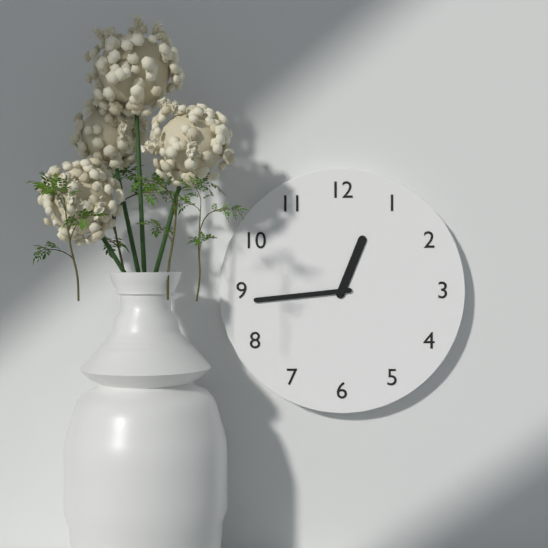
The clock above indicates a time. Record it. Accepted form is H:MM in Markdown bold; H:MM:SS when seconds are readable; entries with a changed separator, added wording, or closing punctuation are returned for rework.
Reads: **12:44**
